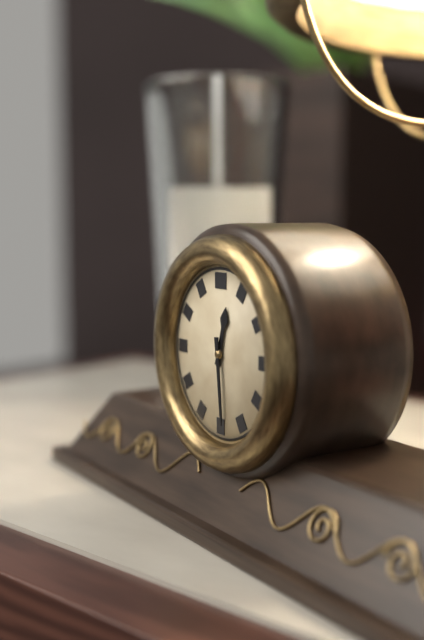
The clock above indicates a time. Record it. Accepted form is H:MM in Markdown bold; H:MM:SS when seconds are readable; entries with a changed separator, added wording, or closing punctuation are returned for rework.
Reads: **12:29**
